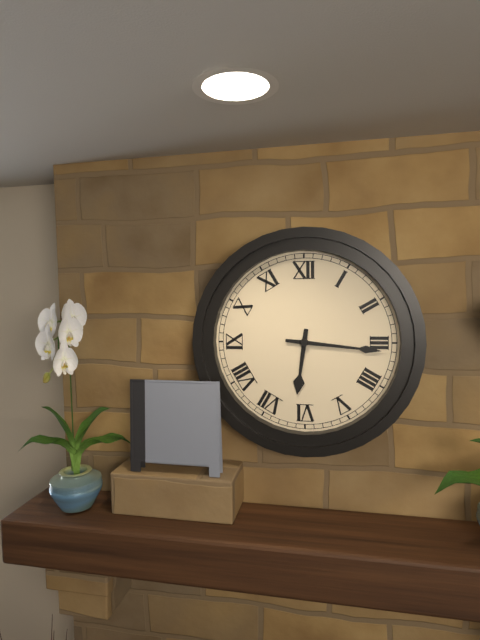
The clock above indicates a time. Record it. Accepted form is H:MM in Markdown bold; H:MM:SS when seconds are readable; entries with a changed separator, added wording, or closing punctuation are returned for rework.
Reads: **6:16**
